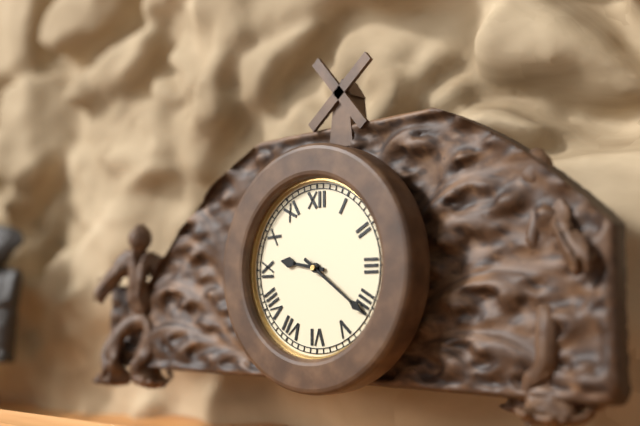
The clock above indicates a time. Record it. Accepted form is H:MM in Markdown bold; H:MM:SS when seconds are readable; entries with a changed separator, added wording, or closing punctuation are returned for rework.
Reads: **9:21**
